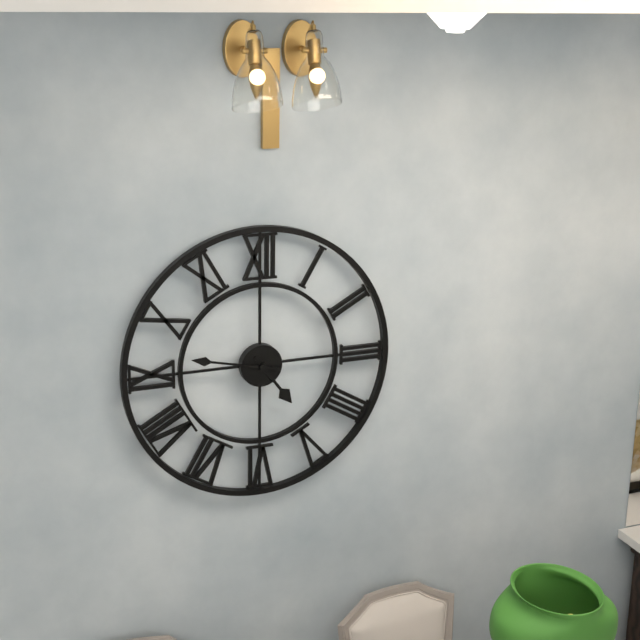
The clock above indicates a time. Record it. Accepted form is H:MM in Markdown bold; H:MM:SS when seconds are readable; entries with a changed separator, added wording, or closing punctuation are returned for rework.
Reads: **4:47**
